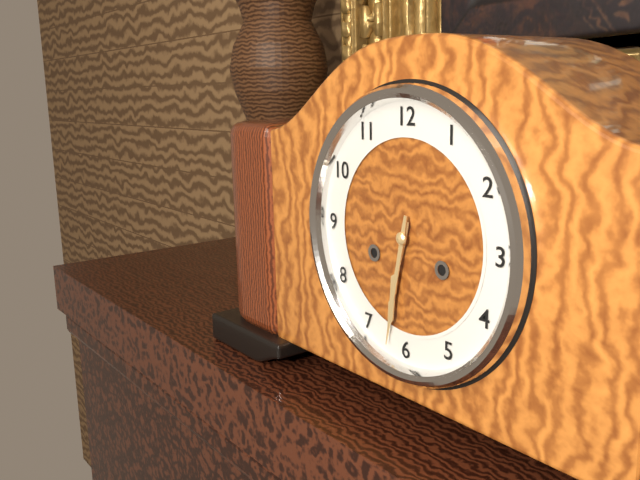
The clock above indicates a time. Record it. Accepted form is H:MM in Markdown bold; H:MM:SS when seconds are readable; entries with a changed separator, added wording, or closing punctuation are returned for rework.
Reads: **6:32**
